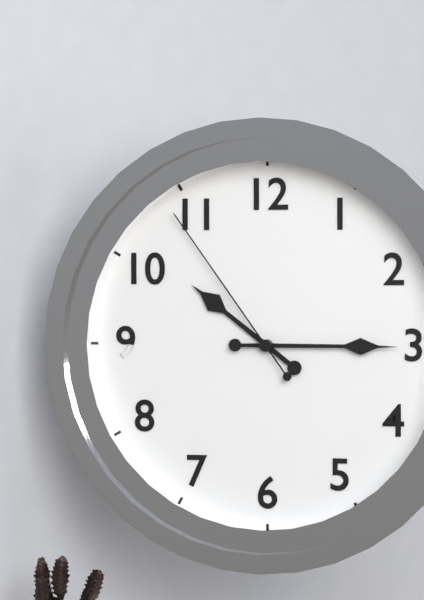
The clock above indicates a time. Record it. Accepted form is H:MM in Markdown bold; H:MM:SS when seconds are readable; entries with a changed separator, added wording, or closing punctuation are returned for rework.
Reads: **10:15:54**
